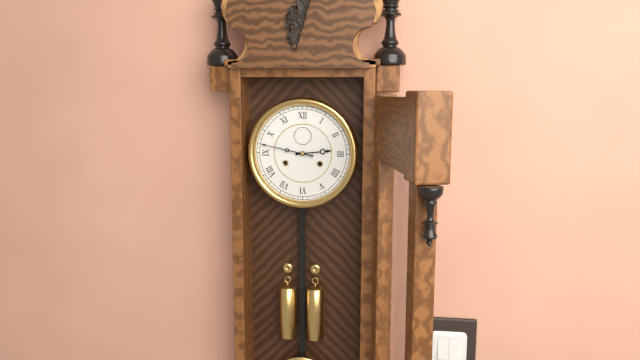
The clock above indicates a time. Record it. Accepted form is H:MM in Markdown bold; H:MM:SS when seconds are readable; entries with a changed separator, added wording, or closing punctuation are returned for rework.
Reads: **2:47**
